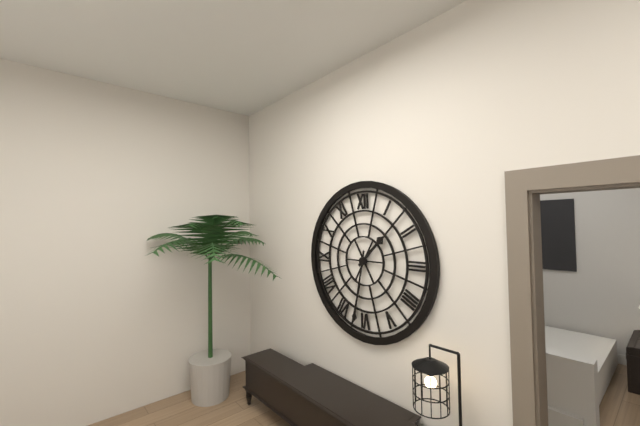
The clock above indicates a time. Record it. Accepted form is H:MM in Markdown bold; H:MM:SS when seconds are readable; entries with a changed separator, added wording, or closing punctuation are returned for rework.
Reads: **1:32**
